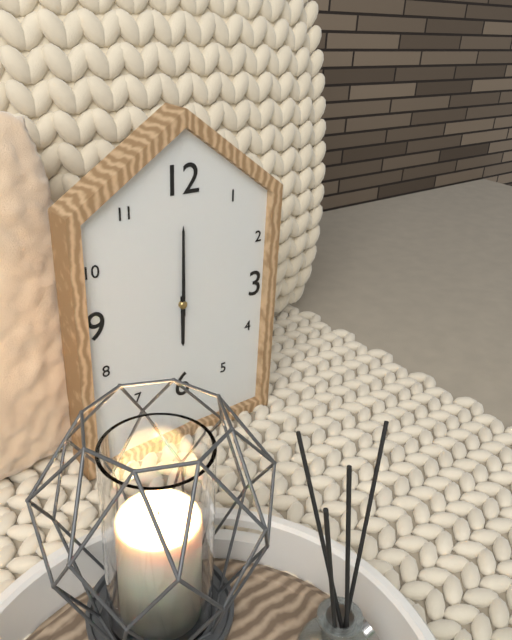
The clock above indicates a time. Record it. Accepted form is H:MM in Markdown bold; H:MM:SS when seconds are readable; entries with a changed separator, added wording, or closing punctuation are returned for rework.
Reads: **6:00**
